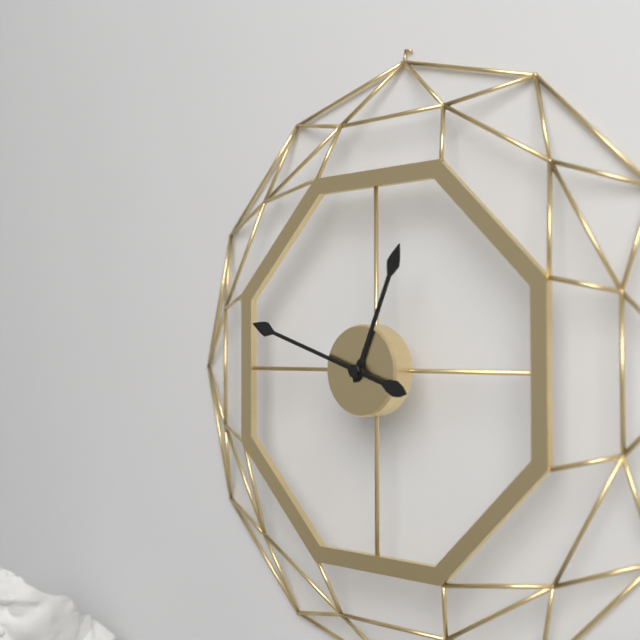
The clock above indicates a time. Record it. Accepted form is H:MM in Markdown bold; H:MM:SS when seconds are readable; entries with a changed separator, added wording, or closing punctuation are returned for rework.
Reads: **12:48**
